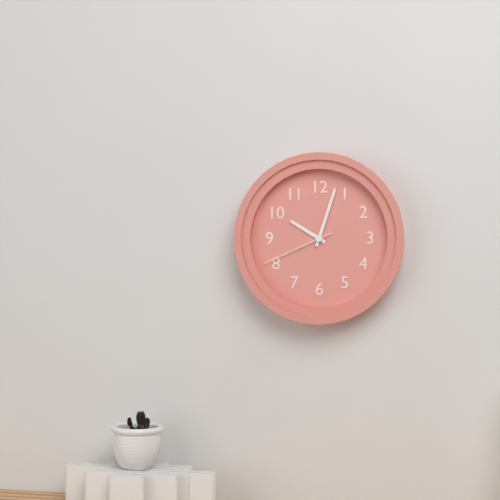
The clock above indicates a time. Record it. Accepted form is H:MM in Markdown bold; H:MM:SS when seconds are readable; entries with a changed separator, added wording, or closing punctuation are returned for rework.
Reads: **10:03:41**
